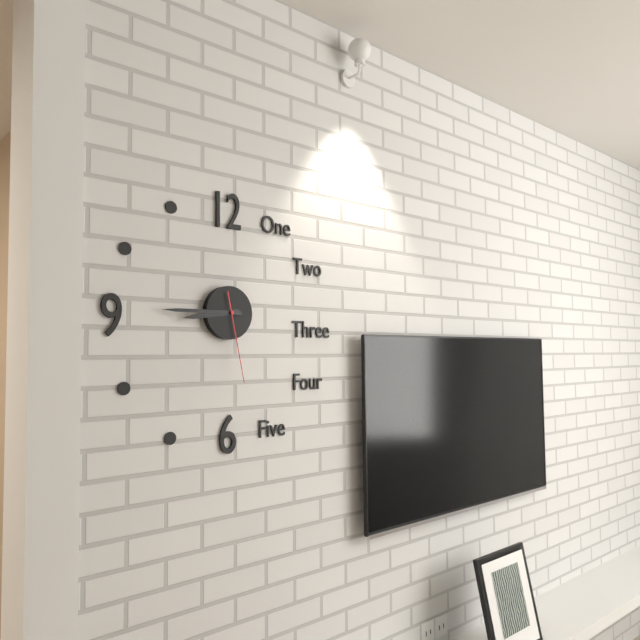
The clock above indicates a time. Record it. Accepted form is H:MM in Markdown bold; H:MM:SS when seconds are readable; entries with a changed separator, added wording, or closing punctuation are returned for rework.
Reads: **8:45:28**
